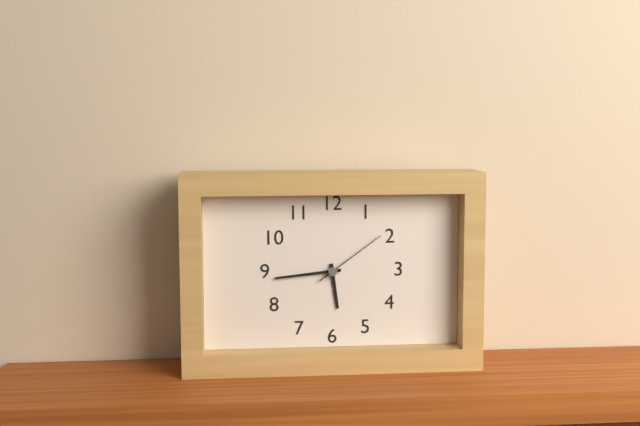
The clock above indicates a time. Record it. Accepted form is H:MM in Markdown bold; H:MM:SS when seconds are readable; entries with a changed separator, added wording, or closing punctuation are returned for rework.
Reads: **5:44:09**
